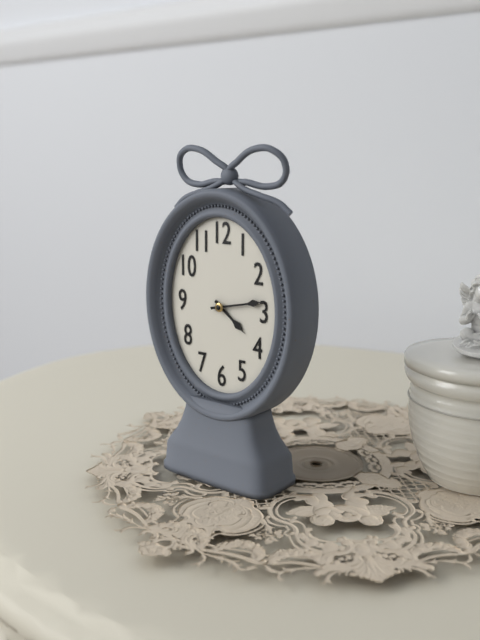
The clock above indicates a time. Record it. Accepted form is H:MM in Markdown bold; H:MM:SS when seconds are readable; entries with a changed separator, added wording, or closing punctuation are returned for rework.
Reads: **4:13**
